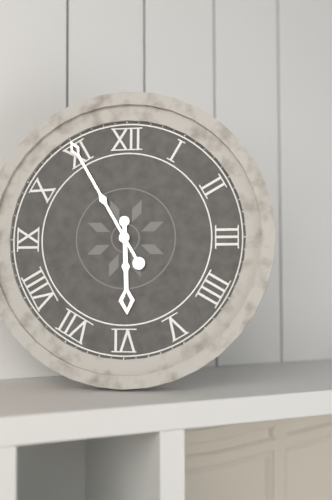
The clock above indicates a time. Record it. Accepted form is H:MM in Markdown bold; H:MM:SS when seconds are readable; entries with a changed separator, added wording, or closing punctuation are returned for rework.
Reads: **5:55**
